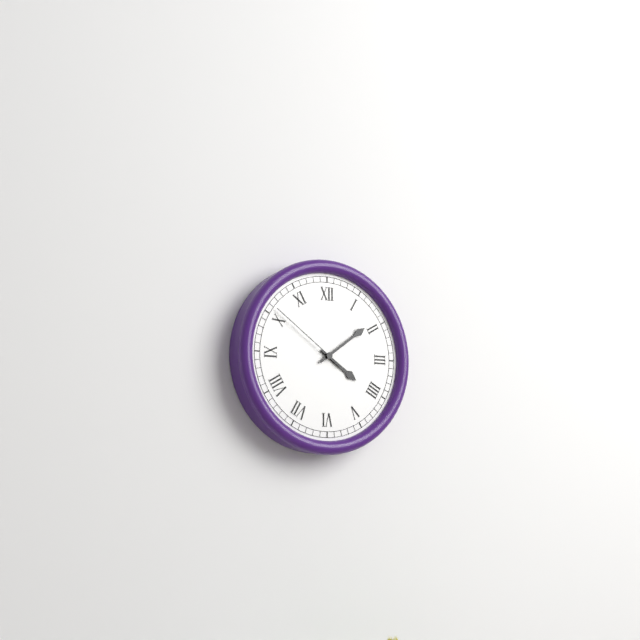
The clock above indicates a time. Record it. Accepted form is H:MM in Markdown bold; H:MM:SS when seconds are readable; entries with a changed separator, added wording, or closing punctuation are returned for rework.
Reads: **4:09:51**
